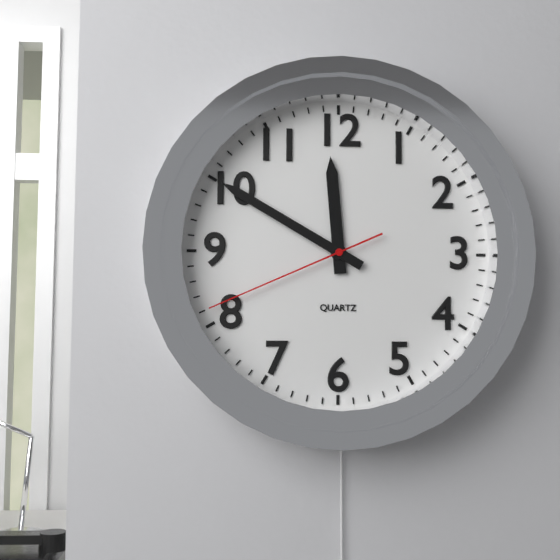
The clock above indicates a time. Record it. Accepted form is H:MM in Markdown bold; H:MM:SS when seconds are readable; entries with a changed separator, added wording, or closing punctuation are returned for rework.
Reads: **11:50:41**
